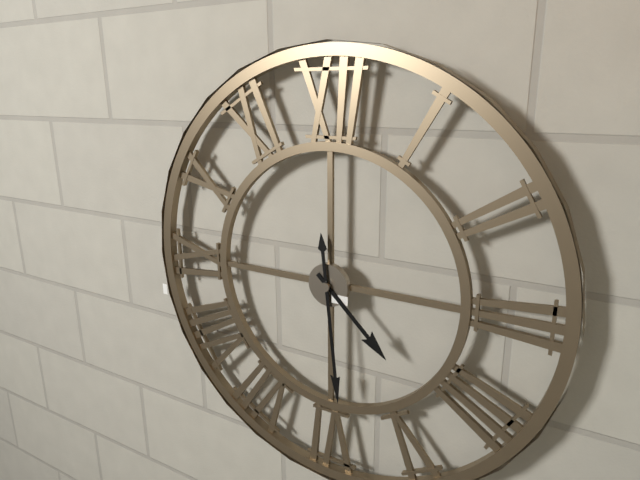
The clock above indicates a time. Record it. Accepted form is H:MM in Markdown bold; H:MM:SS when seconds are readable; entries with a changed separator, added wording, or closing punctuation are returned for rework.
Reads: **4:29**
